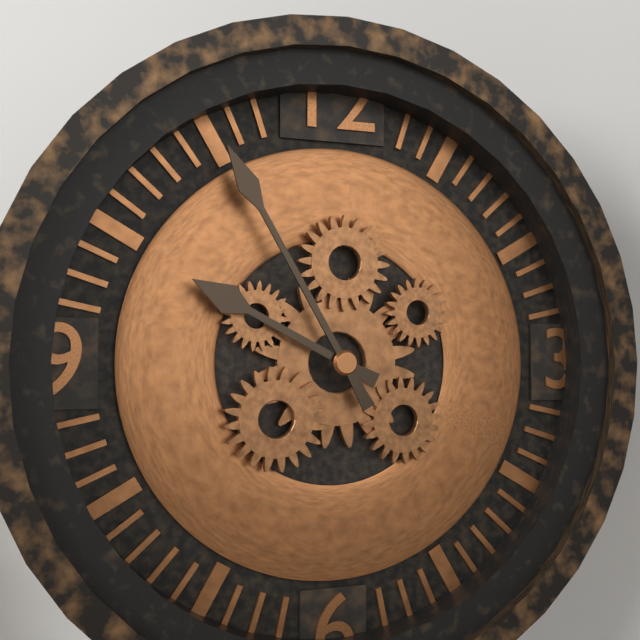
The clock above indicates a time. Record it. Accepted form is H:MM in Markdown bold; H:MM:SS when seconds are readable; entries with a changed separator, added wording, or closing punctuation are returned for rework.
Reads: **9:55**
